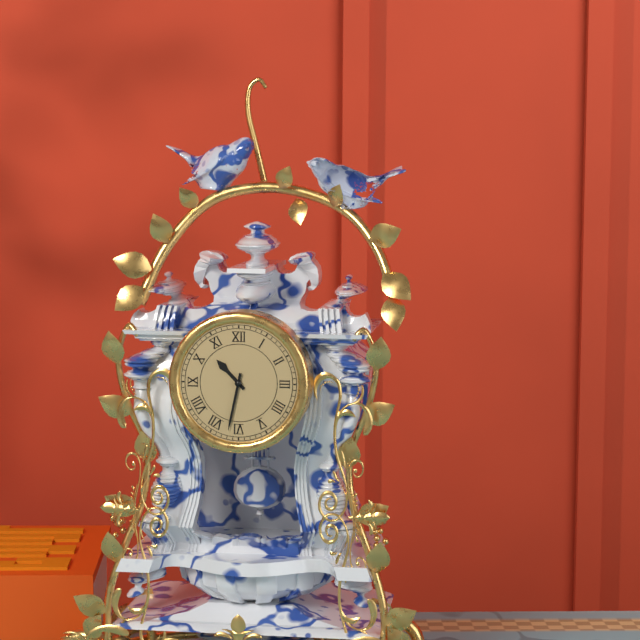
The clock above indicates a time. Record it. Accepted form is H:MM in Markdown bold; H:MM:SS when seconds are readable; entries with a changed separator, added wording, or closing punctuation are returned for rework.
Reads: **10:32**
